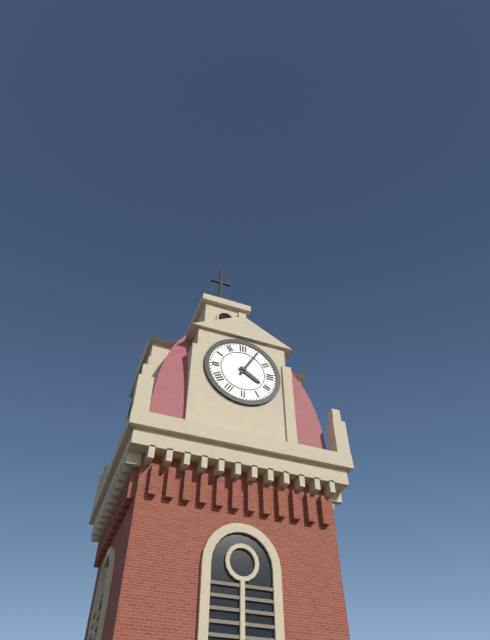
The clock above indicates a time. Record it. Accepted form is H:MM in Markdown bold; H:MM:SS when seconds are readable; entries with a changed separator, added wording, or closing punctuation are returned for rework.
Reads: **4:05**
